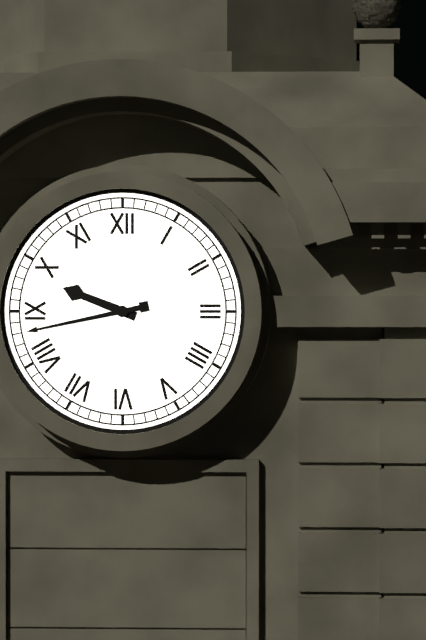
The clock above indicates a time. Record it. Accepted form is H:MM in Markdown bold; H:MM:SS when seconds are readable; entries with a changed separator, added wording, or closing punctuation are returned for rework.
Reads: **9:43**
